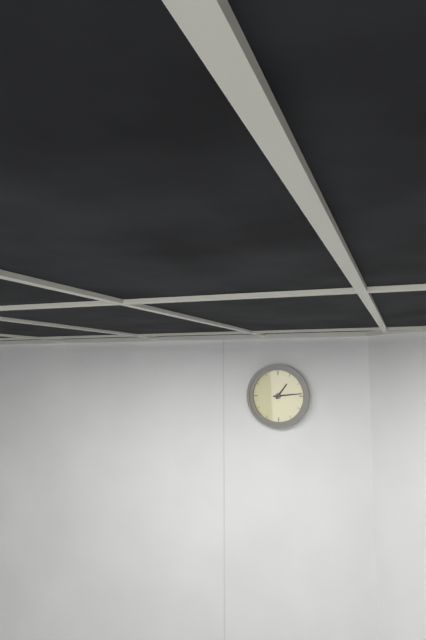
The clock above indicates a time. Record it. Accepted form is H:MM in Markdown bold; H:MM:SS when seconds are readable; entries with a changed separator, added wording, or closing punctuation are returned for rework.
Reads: **1:14**
